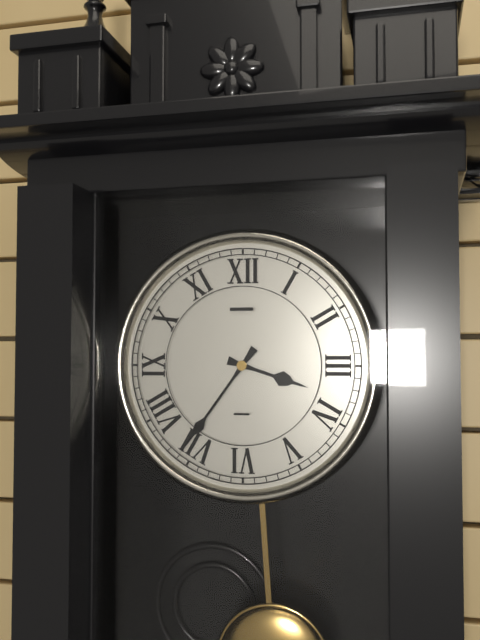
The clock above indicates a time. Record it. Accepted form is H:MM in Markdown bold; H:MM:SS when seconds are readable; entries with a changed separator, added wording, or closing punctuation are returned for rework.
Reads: **3:36**
